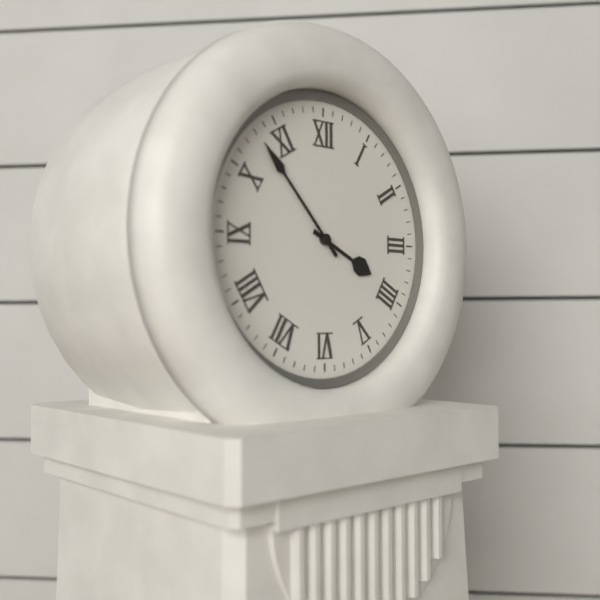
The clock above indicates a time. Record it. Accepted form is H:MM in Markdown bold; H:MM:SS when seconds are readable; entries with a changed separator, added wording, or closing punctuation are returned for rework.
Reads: **3:53**
